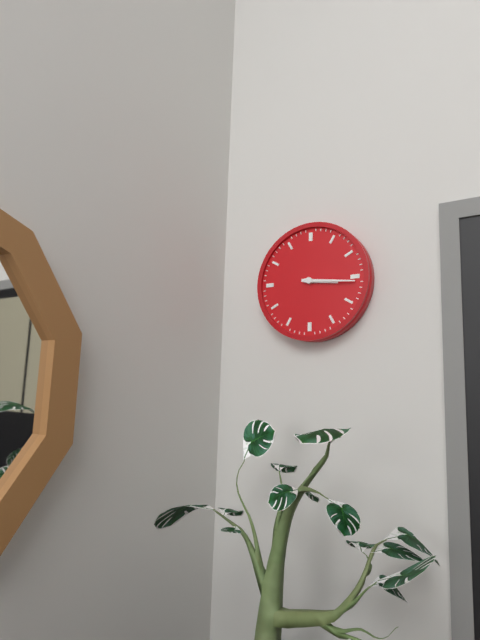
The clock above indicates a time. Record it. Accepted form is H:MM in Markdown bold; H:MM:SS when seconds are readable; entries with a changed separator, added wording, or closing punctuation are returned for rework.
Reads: **3:16**
